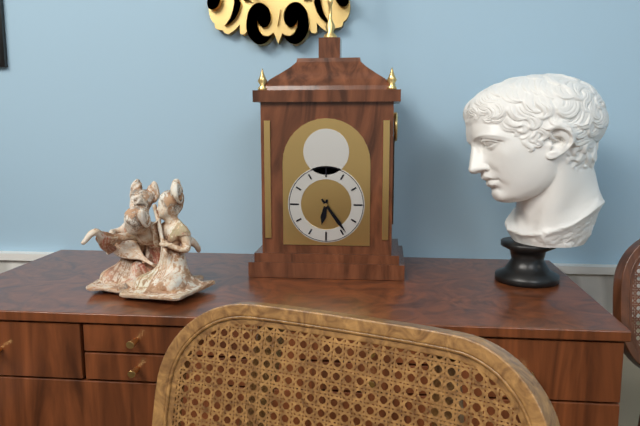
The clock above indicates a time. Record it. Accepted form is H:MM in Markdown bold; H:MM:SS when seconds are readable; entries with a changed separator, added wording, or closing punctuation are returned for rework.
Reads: **6:24**
